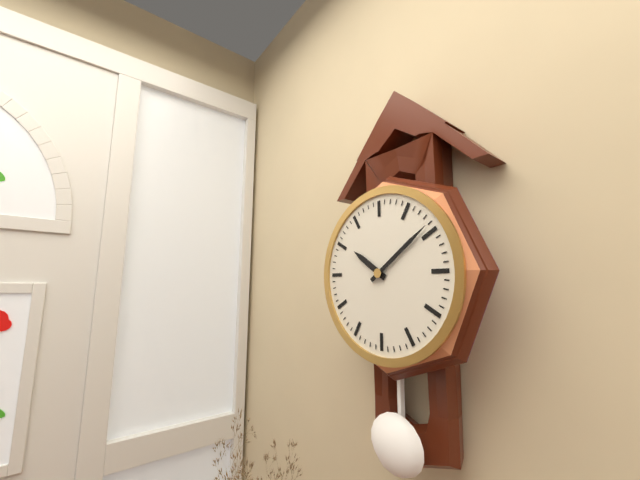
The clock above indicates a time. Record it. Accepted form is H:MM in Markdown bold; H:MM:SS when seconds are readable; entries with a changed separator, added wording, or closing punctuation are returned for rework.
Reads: **10:09**
